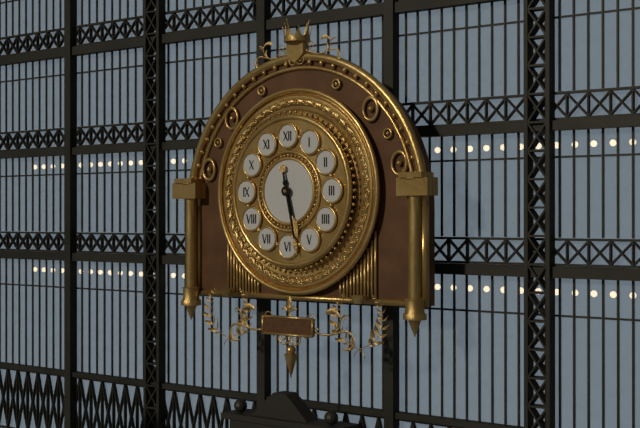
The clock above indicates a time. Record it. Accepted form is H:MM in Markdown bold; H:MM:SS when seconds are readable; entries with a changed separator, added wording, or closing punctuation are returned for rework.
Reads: **5:28**
